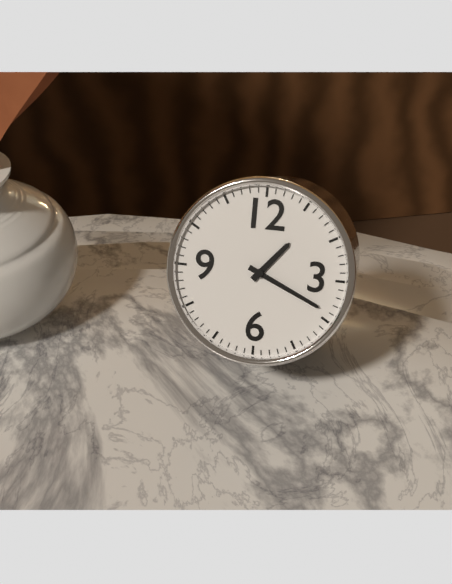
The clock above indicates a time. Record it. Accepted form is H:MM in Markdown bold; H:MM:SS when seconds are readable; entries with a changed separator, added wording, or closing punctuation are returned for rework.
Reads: **1:19**
